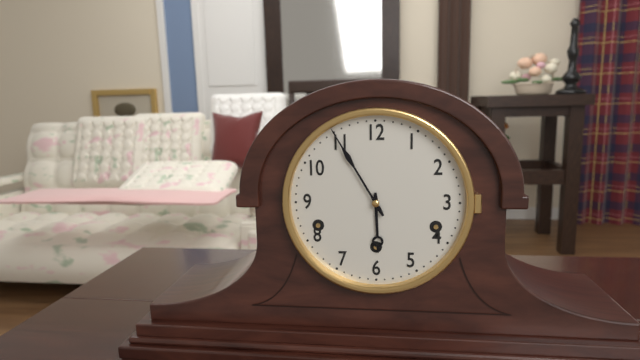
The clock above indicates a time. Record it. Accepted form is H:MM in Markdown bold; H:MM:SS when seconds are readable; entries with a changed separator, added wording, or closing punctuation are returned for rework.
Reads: **5:55**
